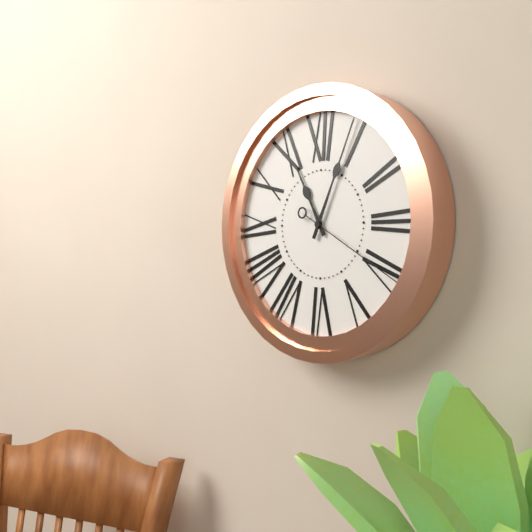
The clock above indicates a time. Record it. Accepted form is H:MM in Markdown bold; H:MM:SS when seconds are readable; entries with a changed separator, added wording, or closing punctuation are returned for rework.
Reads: **11:04:20**
